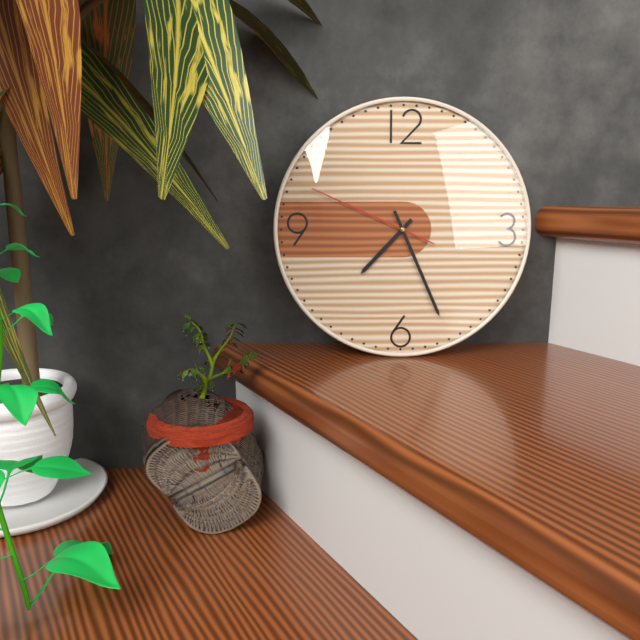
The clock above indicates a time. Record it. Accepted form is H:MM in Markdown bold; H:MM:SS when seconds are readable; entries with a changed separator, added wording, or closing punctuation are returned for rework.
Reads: **7:26:49**
